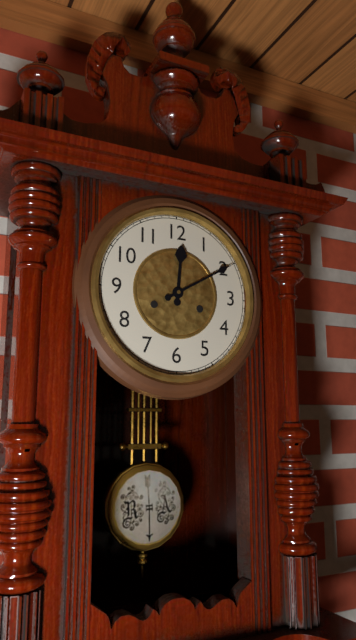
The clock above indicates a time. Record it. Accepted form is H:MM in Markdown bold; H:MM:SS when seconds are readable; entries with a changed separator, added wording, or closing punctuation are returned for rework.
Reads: **12:10**
